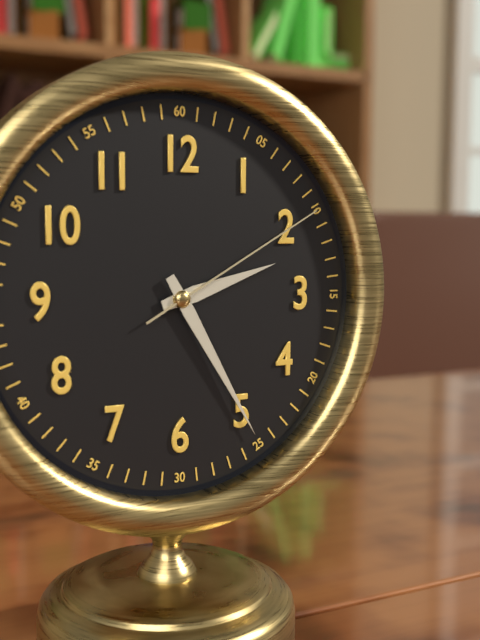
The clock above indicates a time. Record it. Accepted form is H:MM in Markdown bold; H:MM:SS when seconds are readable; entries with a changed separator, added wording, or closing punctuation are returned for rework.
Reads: **2:25:10**
